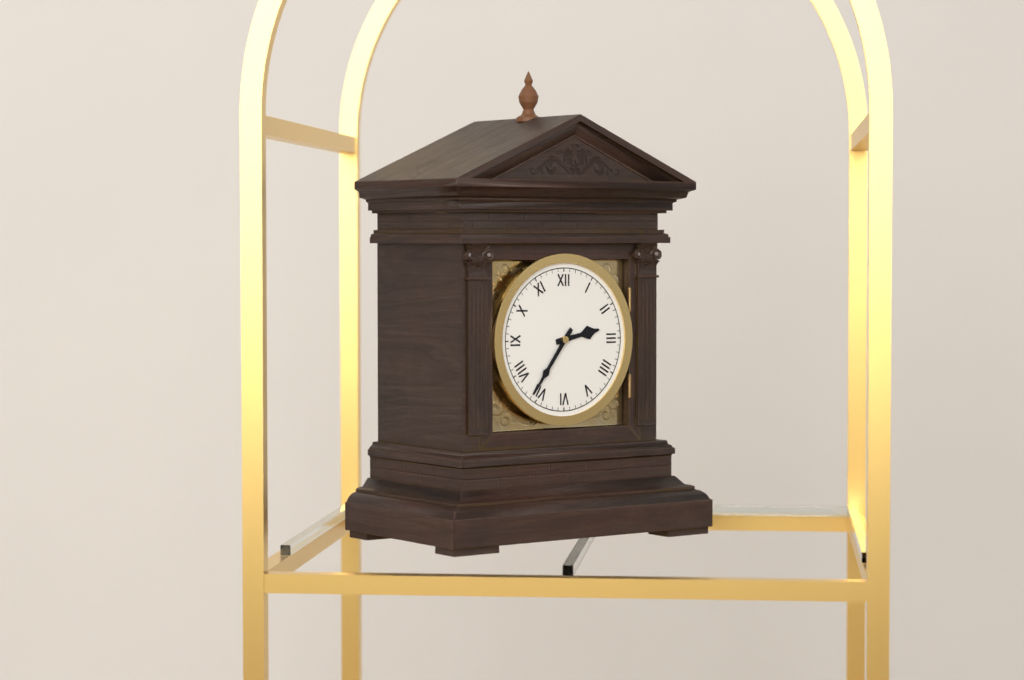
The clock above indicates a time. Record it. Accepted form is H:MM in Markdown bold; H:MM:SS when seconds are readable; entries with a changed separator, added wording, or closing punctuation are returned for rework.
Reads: **2:36**
